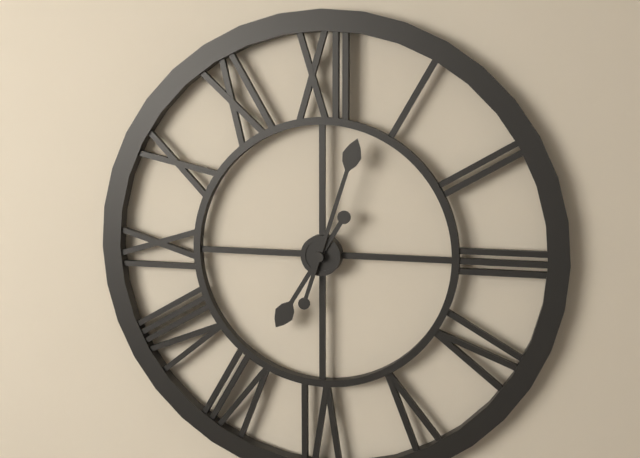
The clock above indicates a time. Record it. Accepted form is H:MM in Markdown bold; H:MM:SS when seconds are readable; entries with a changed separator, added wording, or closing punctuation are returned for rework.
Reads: **7:03**
